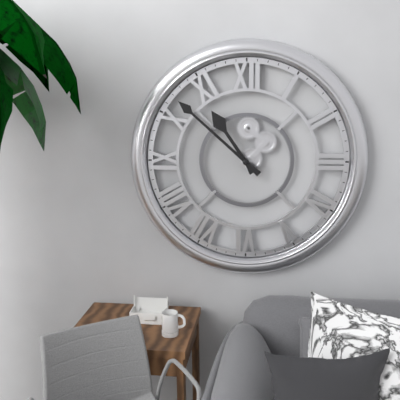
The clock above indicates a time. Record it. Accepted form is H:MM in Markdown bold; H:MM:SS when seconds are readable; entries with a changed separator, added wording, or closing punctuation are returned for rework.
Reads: **10:52**
